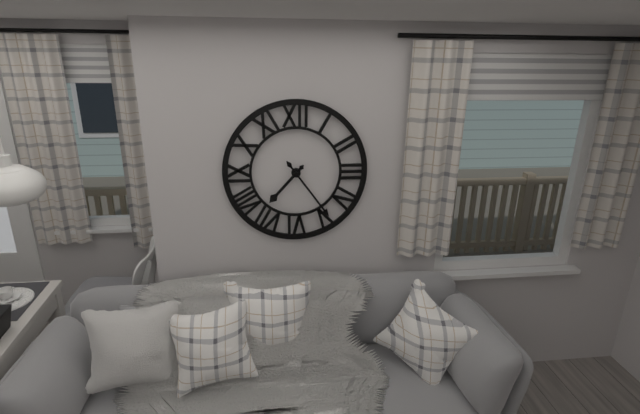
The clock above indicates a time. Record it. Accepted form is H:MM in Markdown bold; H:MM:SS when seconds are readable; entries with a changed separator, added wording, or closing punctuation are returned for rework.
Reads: **7:24**
